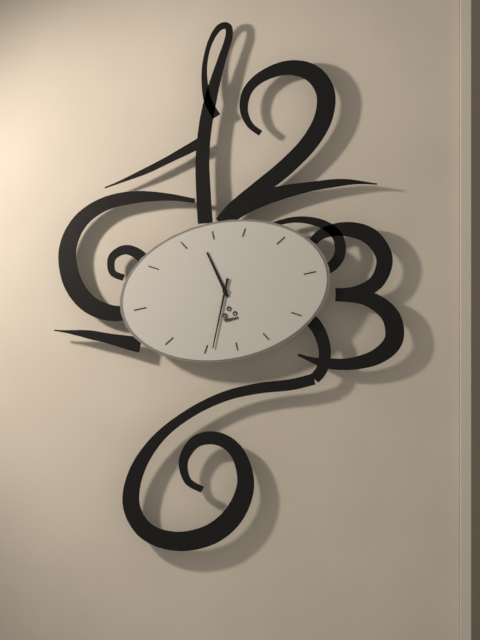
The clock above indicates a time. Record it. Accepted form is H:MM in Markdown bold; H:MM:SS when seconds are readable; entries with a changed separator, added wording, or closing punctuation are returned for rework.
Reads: **11:34**
